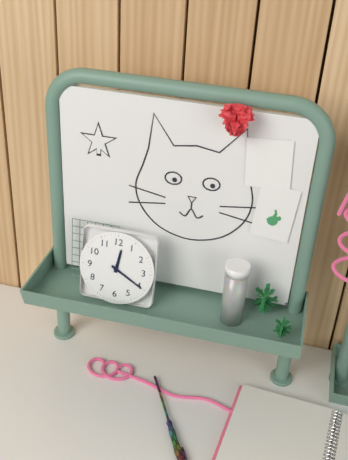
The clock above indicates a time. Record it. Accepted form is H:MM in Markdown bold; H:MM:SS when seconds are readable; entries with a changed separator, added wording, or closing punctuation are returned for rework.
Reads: **12:20**
